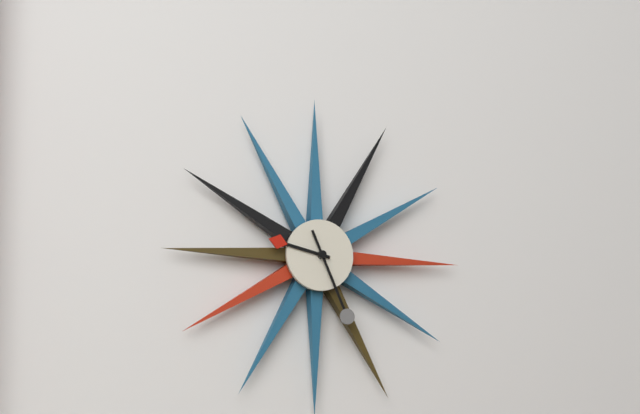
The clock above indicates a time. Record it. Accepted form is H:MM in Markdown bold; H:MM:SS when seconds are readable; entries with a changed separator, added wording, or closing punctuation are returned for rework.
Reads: **9:26**
